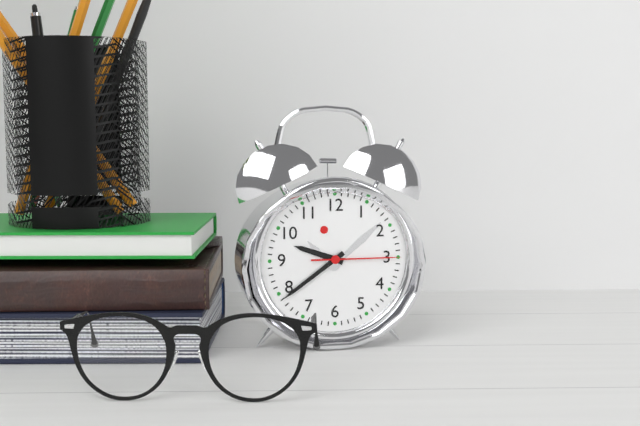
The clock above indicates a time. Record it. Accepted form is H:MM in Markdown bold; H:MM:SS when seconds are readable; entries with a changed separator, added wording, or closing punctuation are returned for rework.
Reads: **9:39:15**
